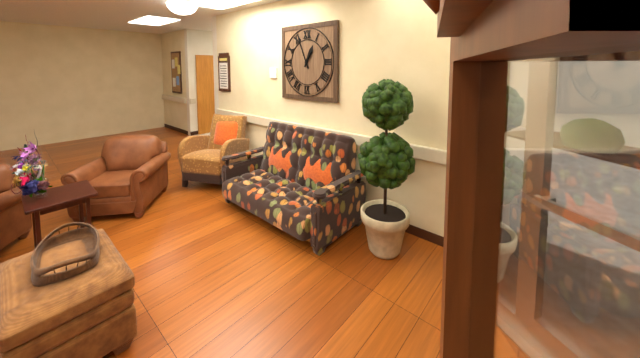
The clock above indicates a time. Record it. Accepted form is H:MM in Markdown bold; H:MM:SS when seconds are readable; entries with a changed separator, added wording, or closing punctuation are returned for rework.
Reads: **12:56**
